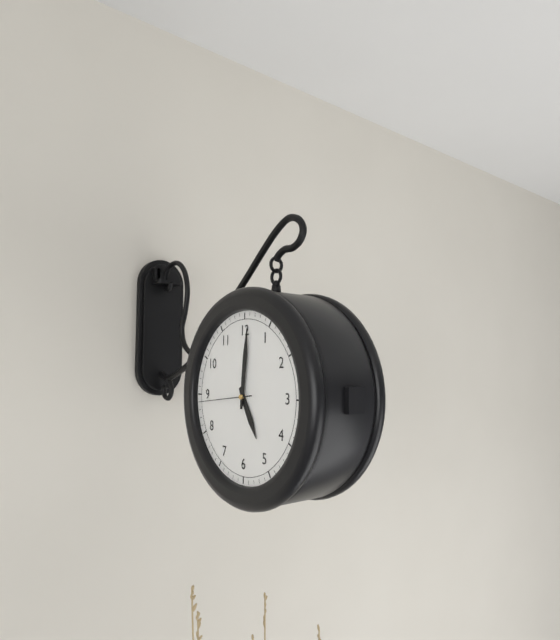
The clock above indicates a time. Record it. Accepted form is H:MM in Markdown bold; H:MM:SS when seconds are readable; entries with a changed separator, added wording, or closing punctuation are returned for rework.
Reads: **5:01:44**
